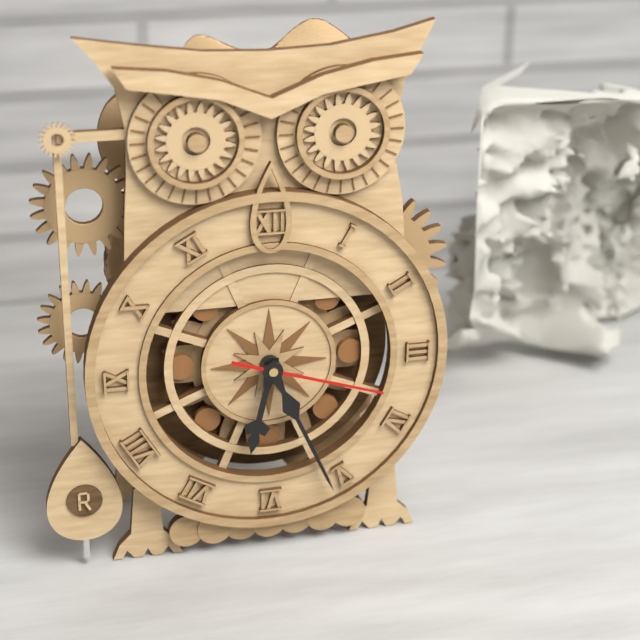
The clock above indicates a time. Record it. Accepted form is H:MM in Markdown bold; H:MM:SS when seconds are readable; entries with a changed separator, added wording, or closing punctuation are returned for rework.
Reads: **6:26:18**
